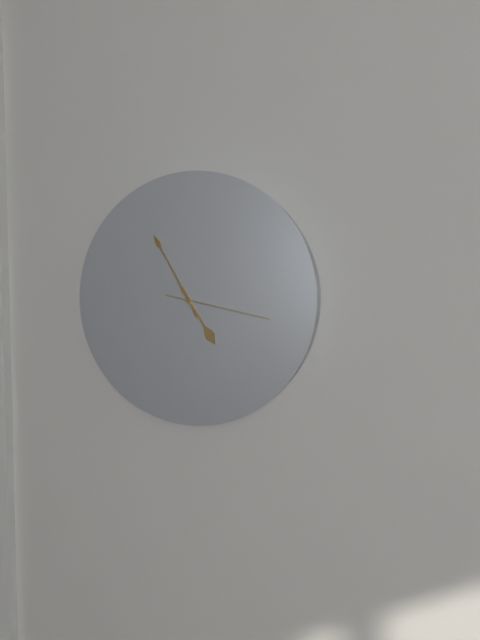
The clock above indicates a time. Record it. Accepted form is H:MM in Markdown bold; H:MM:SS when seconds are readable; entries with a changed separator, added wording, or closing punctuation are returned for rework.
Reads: **4:55:17**
